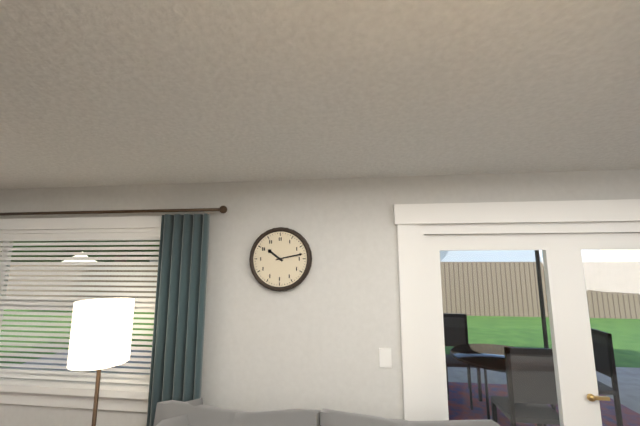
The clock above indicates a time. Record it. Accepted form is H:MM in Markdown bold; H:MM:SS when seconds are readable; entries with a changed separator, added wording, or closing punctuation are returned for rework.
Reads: **10:13**
